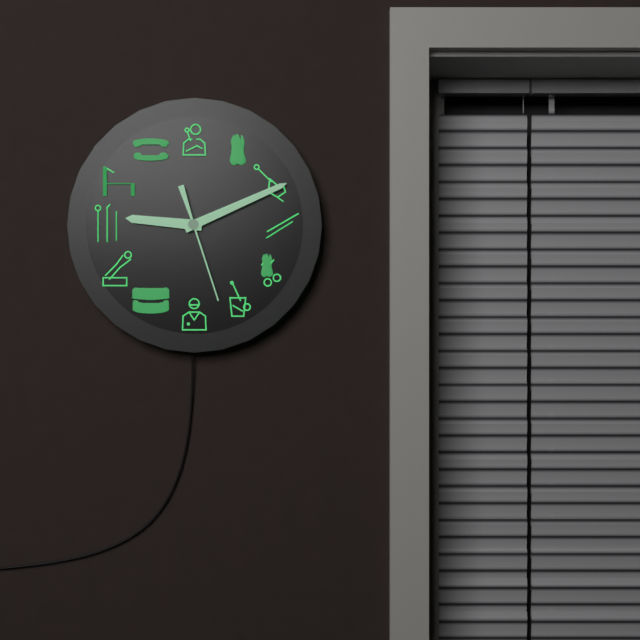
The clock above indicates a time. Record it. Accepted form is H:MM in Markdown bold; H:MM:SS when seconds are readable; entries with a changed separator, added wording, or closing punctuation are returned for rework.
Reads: **9:11:27**
